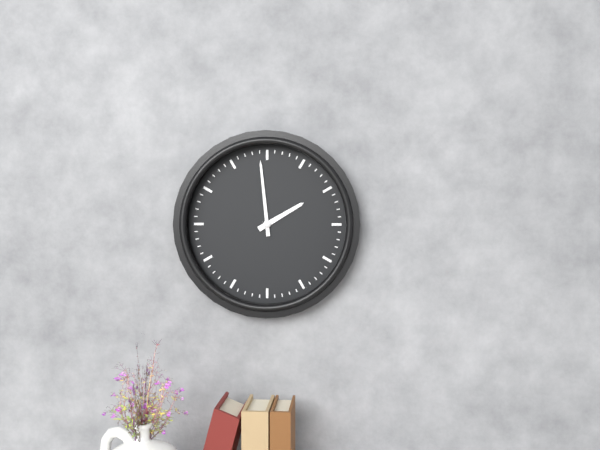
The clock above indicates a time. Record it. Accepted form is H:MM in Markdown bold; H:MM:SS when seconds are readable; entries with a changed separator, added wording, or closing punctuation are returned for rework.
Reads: **1:59**
